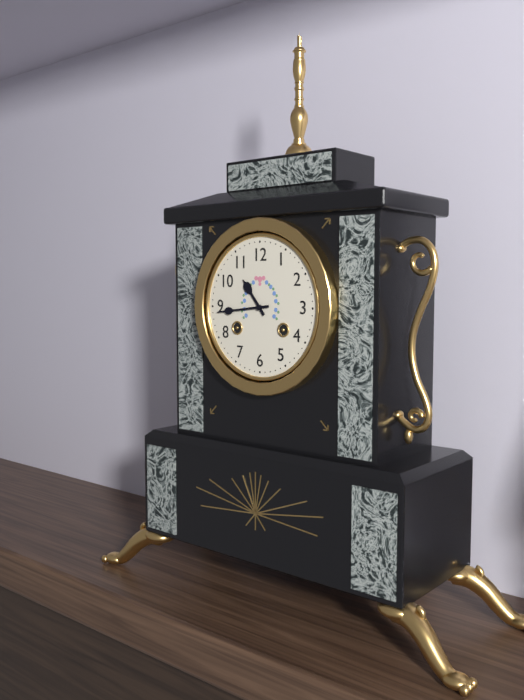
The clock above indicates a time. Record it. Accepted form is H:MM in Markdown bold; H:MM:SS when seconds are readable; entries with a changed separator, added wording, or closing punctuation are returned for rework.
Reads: **10:44**
